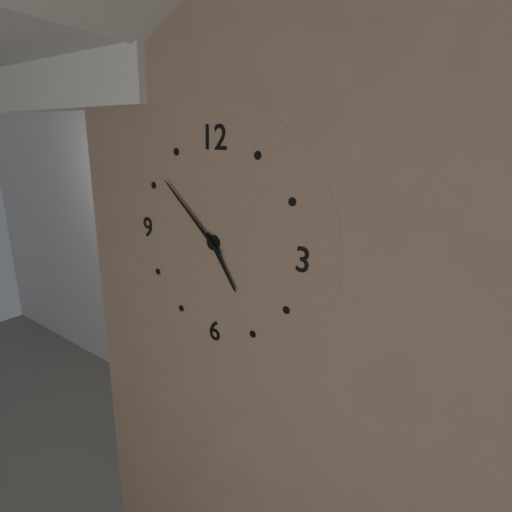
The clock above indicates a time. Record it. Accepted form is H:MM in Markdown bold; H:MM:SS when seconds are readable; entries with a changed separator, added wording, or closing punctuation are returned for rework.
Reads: **4:52**
